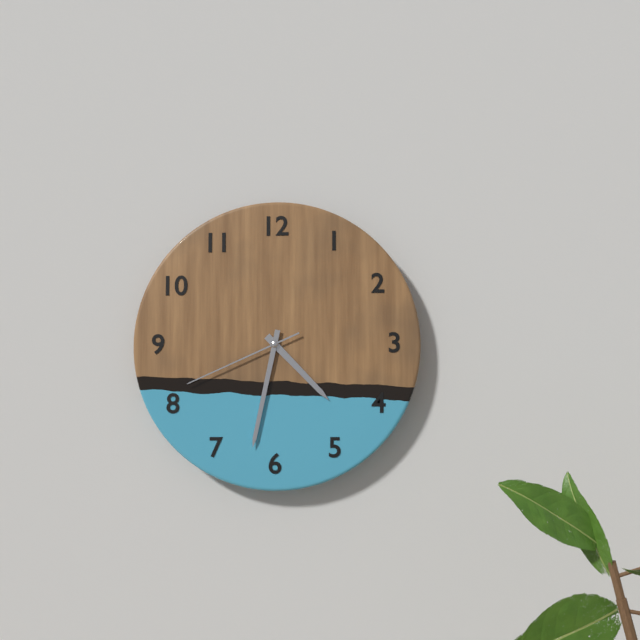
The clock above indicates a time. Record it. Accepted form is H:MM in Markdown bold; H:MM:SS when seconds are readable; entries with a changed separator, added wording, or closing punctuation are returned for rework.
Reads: **4:32:41**
